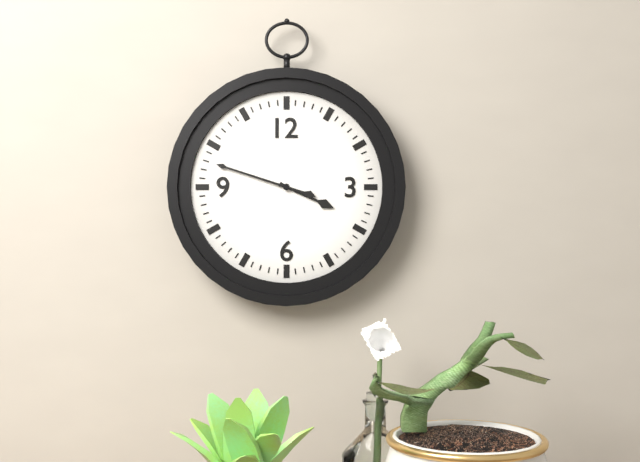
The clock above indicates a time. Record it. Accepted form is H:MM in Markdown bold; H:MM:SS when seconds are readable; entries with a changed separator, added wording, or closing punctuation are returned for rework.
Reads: **3:48**
